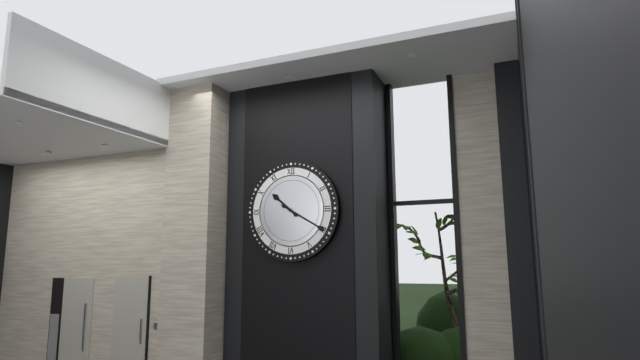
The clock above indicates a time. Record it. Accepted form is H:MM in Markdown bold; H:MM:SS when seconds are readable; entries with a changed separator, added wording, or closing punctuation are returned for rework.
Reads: **10:20**
